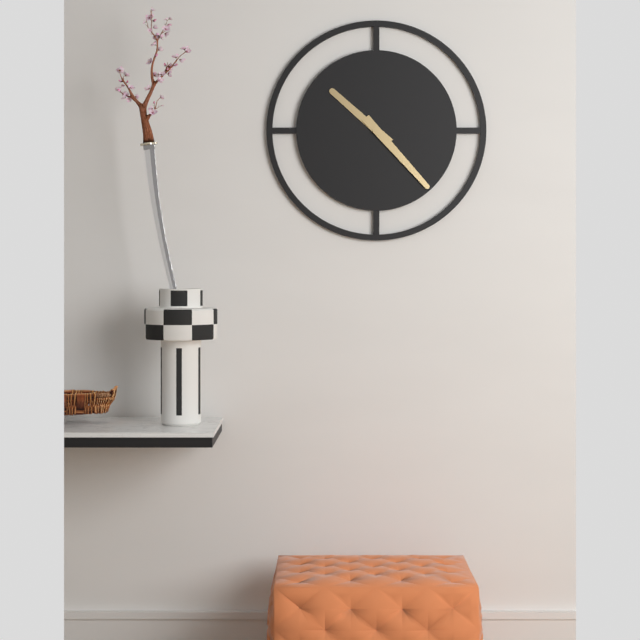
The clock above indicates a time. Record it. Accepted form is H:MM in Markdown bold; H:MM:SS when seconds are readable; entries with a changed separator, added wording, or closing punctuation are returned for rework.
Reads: **10:23**
